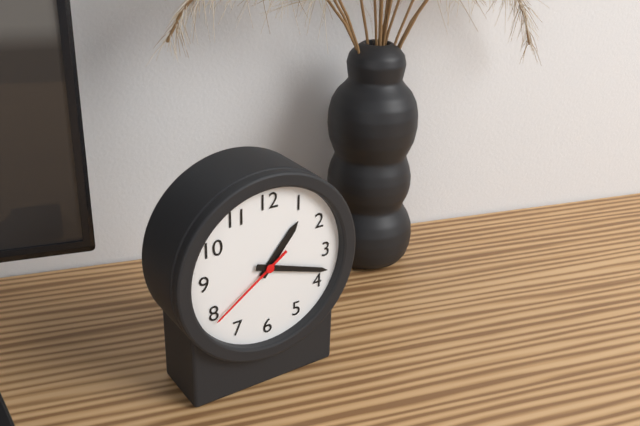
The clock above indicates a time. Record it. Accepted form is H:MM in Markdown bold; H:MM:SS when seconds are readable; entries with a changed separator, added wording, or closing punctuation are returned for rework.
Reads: **1:18:39**
